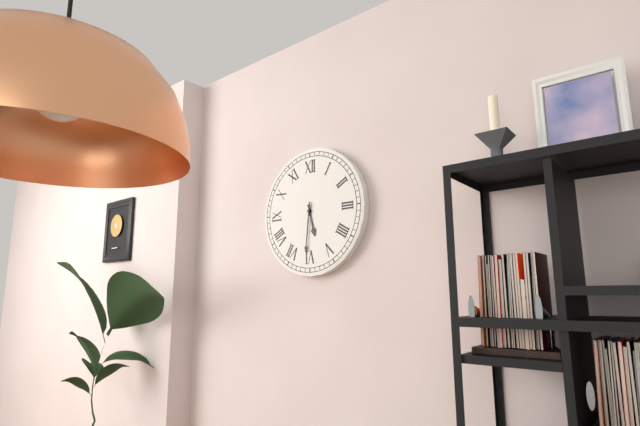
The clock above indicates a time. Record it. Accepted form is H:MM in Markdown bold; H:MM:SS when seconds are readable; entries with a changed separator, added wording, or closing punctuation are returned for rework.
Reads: **5:31**
